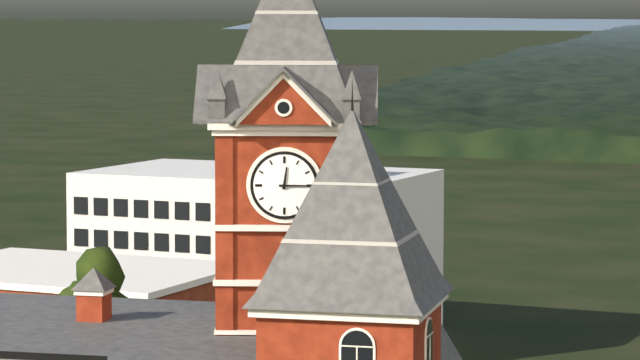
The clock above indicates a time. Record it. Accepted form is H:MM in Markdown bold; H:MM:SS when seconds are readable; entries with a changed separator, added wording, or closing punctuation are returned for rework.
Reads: **12:15**
